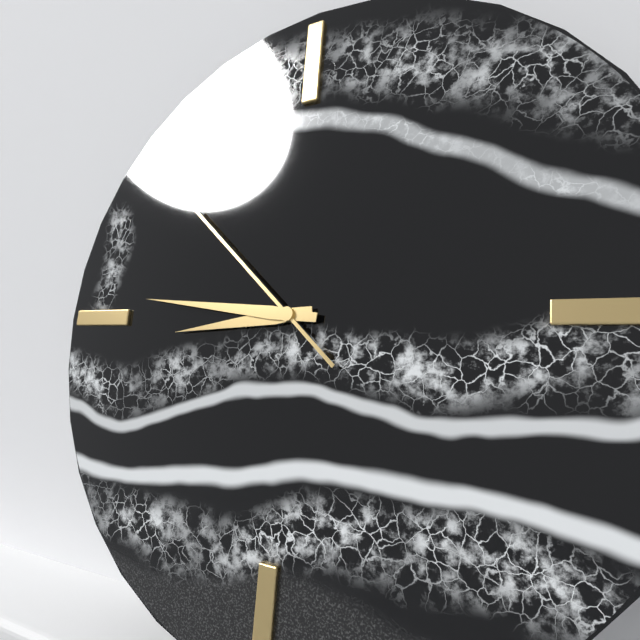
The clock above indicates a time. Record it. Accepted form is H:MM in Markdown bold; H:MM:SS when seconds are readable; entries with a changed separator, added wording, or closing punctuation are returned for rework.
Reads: **8:46:52**
